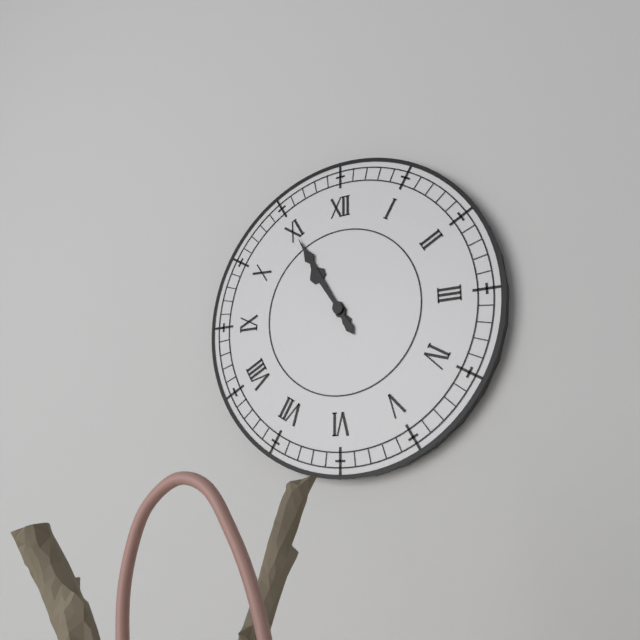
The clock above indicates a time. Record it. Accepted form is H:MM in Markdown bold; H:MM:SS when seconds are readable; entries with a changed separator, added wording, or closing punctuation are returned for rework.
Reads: **10:55**
